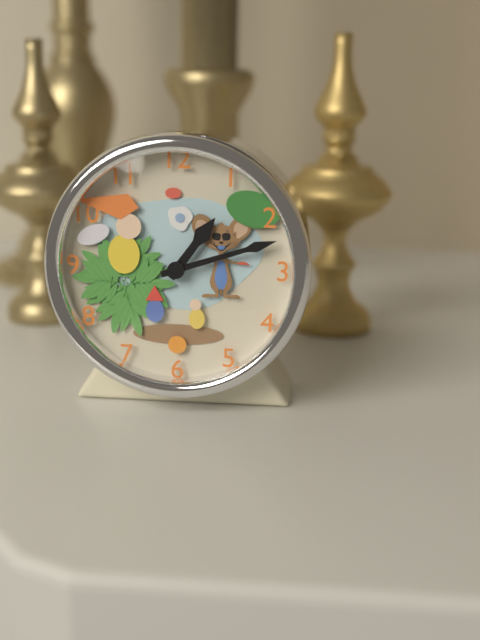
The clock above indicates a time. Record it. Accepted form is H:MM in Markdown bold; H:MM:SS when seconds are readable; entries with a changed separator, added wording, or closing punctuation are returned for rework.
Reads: **1:12**
